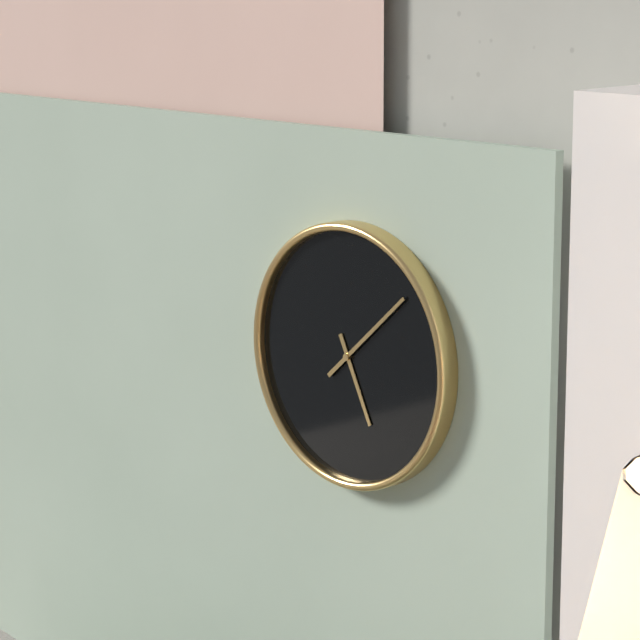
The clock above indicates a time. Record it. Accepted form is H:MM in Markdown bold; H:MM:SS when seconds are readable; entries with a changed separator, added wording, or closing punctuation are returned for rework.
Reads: **5:08**
